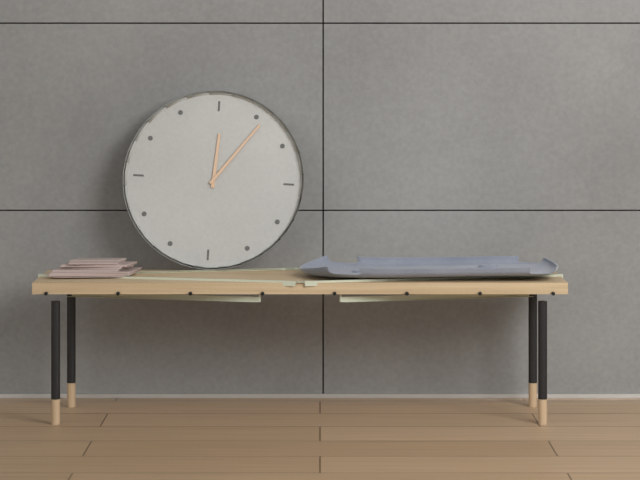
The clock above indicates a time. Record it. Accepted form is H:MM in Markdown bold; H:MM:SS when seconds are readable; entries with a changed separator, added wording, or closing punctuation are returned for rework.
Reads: **12:06**
